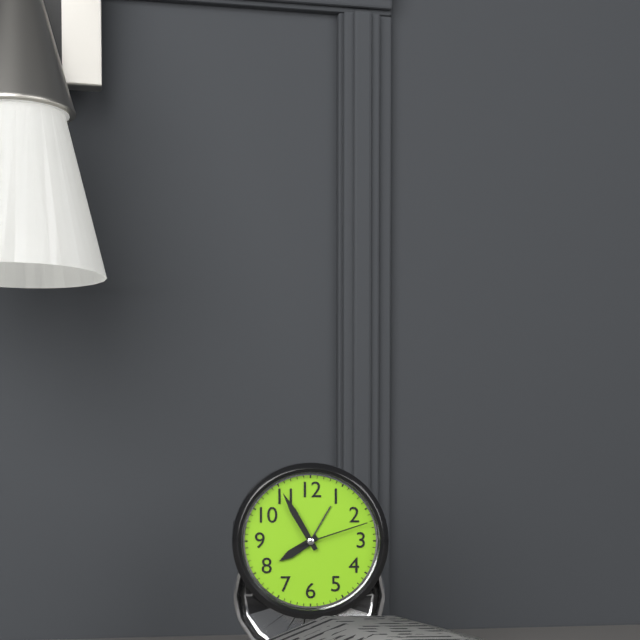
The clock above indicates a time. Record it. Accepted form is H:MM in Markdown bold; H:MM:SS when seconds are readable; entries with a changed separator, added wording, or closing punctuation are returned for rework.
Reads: **7:55:12**
